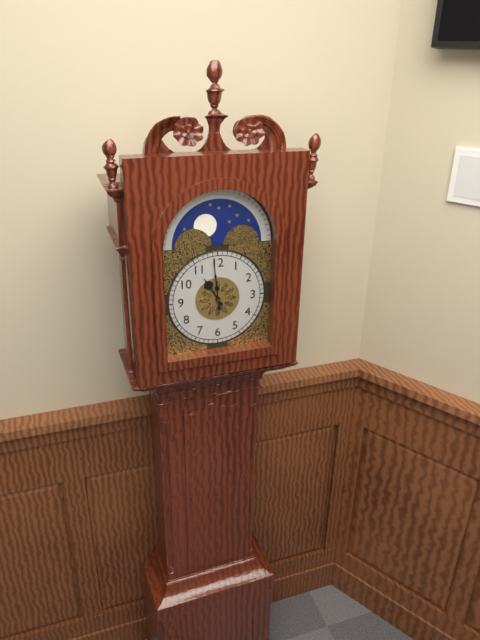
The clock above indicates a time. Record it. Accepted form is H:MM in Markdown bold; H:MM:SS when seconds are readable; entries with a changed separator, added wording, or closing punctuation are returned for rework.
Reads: **10:59**
